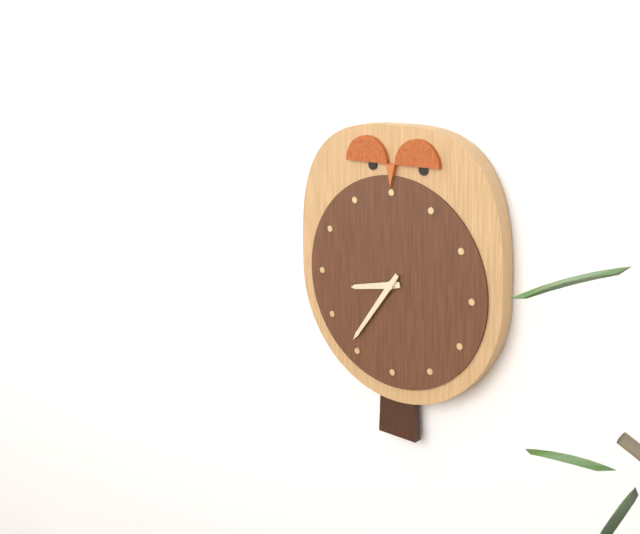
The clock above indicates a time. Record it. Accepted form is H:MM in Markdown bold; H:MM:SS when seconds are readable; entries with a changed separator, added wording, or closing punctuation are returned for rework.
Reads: **8:36**
